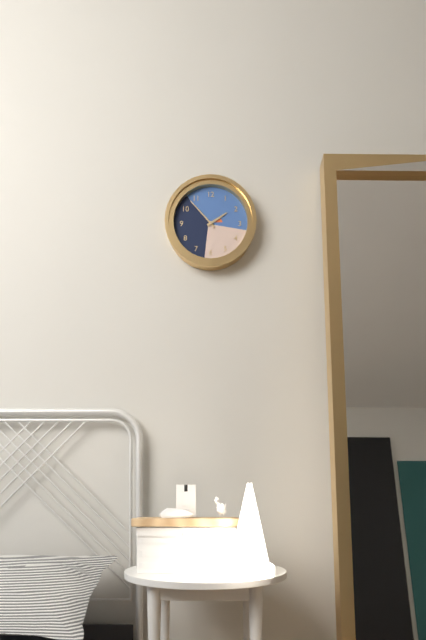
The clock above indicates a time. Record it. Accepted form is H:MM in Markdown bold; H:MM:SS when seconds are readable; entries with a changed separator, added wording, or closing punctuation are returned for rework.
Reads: **1:53**
